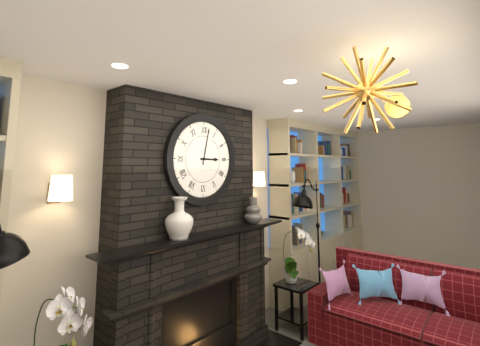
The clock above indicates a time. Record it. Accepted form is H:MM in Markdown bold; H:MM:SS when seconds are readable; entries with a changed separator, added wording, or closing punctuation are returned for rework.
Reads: **3:02**
